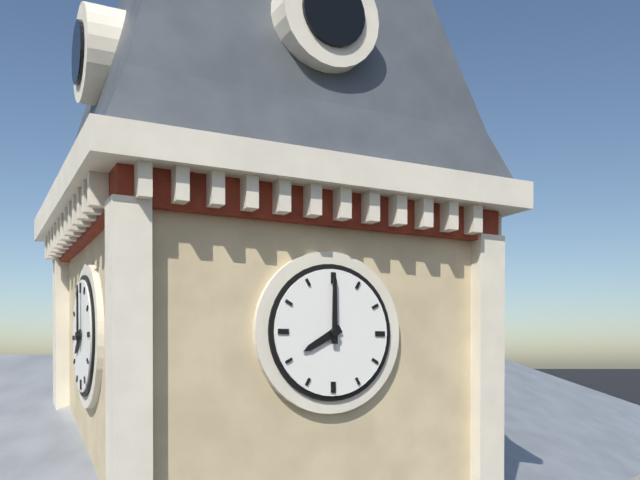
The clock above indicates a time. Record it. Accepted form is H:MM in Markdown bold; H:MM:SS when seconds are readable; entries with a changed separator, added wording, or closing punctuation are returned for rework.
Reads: **8:00**
